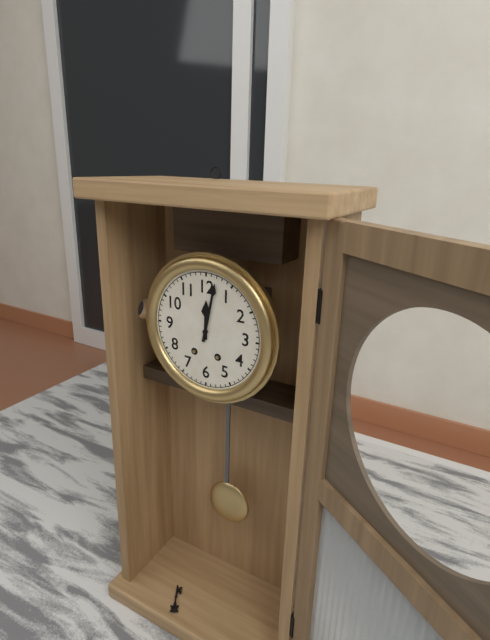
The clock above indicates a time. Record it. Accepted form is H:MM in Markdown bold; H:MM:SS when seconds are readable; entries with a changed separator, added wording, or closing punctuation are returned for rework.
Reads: **12:02**
